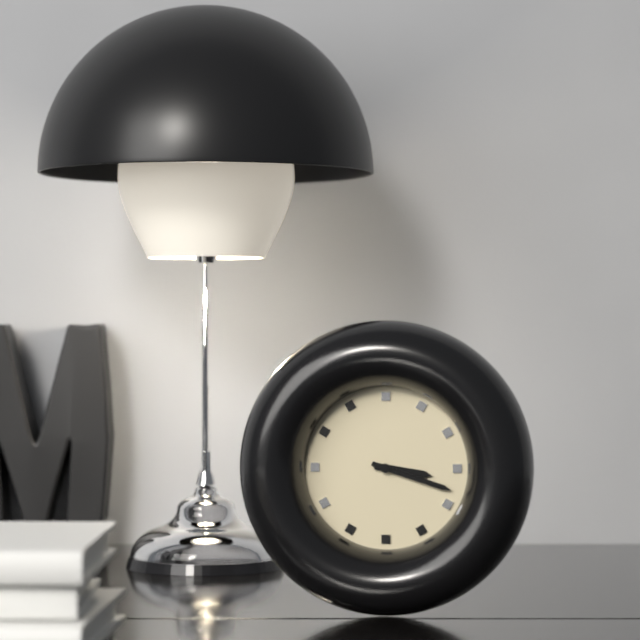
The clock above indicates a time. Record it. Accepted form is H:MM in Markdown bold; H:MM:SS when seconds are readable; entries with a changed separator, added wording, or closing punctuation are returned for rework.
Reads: **3:18**
